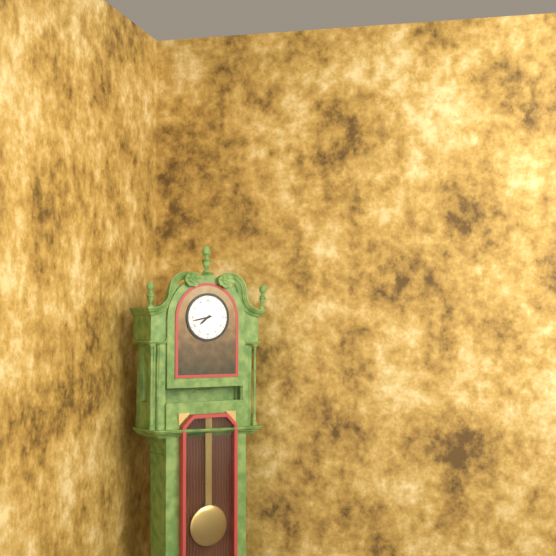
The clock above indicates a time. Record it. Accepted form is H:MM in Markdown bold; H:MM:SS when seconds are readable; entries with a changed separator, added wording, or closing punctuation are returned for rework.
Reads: **7:43**
